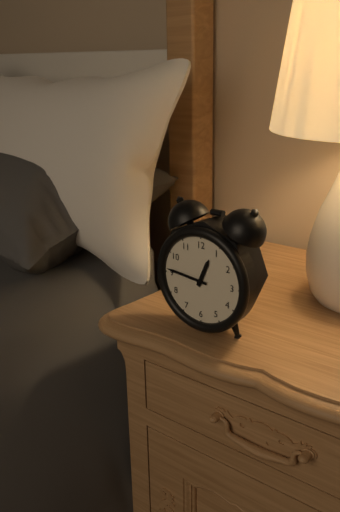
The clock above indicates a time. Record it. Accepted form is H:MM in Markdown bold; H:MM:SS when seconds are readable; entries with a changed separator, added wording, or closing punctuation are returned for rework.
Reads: **12:46**
